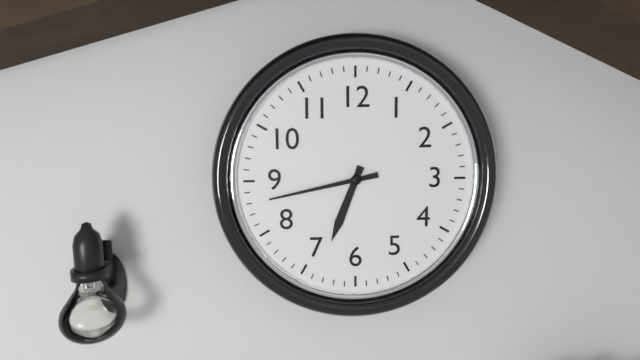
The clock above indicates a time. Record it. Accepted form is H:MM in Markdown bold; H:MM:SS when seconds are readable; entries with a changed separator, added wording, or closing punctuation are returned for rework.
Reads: **6:43**
